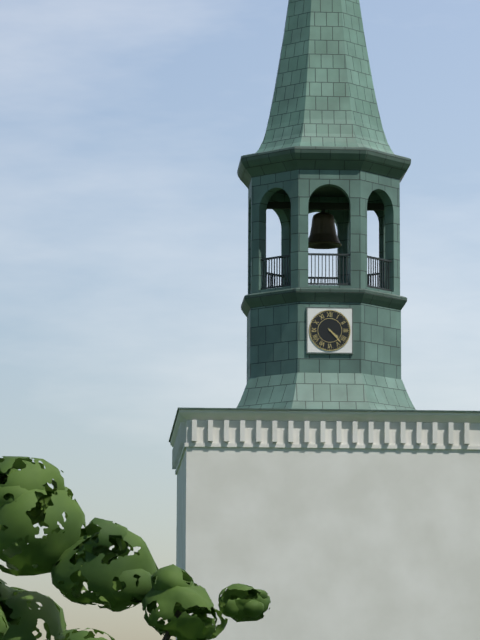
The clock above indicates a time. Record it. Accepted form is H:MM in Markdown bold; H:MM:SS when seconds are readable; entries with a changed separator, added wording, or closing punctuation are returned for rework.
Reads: **4:23**
